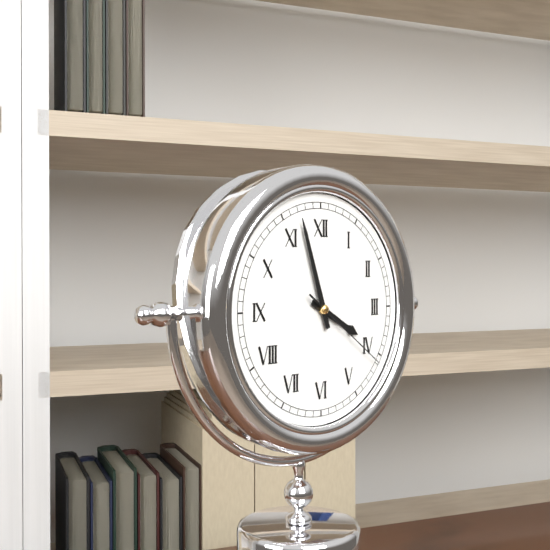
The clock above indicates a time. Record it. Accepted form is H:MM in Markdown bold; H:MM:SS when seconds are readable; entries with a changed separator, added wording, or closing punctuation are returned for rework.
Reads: **3:57:21**
